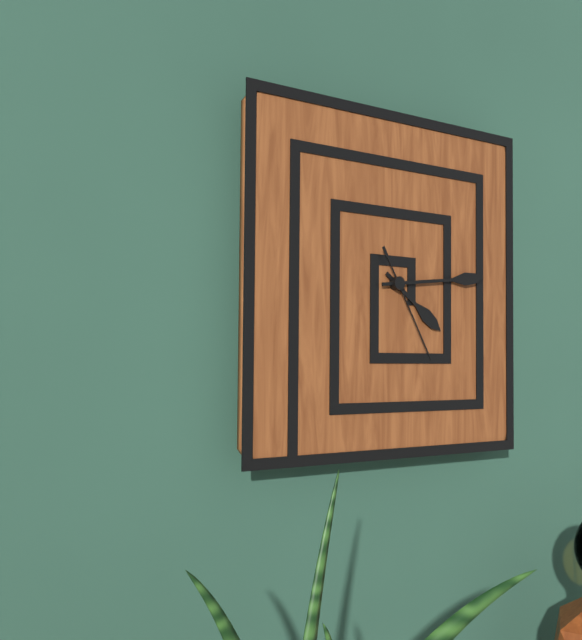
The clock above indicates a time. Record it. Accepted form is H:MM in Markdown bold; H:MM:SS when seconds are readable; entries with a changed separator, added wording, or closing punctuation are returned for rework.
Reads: **4:14:25**
